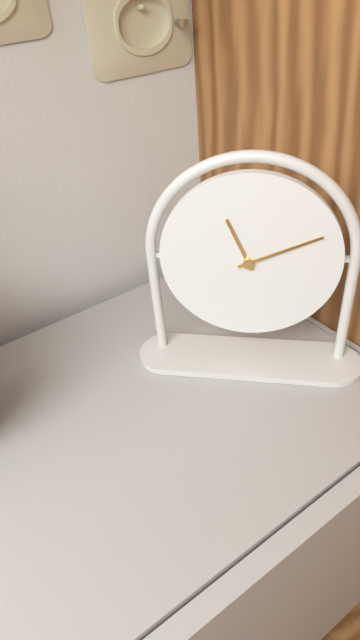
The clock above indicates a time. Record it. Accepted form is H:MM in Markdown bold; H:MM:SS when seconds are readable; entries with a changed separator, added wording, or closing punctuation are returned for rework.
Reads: **11:11**
